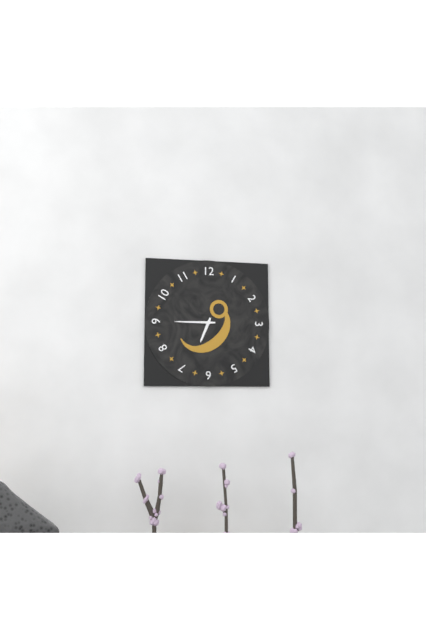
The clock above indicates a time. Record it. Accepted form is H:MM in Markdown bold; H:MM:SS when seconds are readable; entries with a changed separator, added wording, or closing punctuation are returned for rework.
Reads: **6:45**
